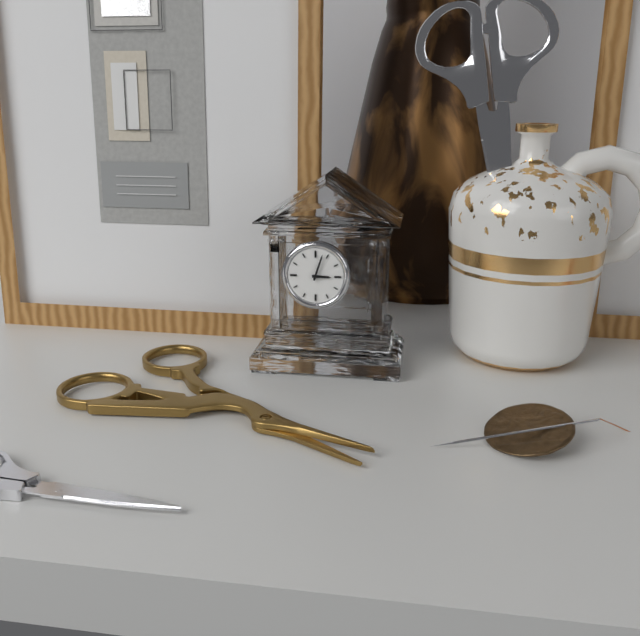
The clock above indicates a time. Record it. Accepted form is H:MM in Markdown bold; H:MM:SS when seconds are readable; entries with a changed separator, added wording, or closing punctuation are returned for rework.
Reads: **3:03**
